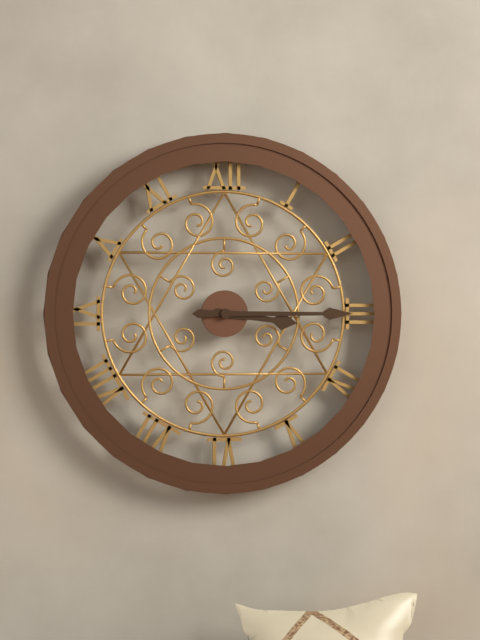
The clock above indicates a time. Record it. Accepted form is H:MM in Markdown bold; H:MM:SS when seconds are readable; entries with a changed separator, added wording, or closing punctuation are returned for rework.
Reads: **3:15**
